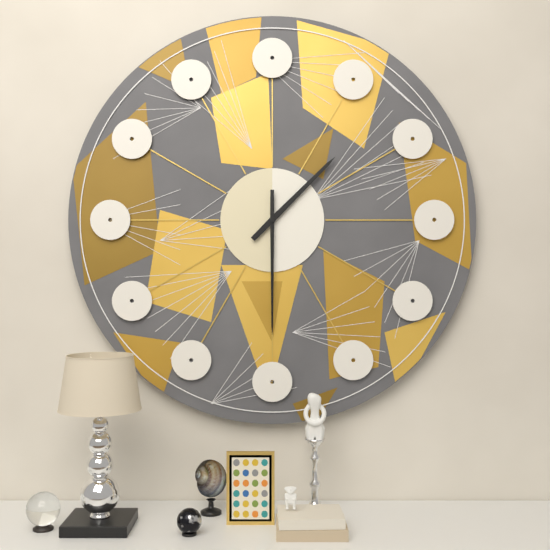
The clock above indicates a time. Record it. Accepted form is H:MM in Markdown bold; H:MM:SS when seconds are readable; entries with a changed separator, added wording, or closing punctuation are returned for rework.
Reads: **1:30**
